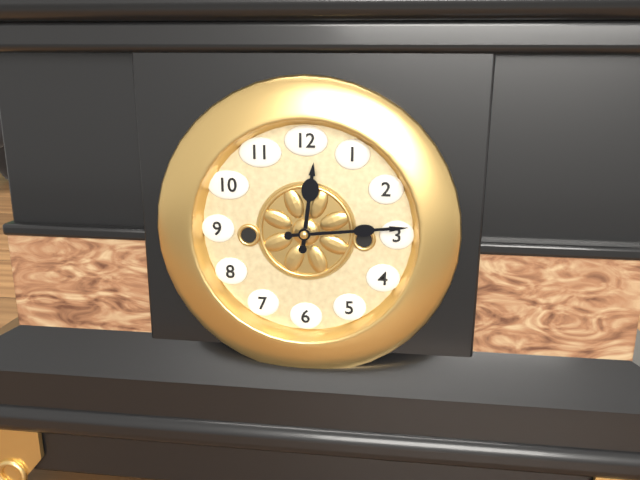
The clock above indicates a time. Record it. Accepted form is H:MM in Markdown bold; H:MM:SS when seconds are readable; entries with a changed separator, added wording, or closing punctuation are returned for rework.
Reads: **12:14**
